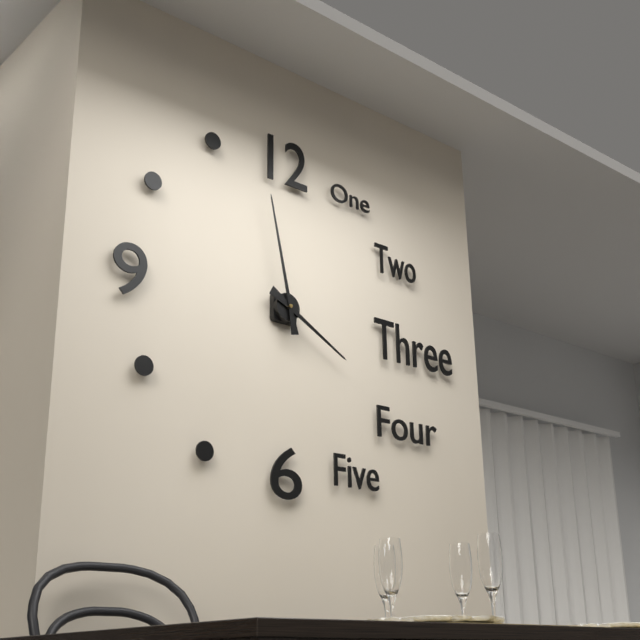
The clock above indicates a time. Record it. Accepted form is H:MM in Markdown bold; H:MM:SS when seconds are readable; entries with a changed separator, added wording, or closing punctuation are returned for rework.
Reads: **3:58**
